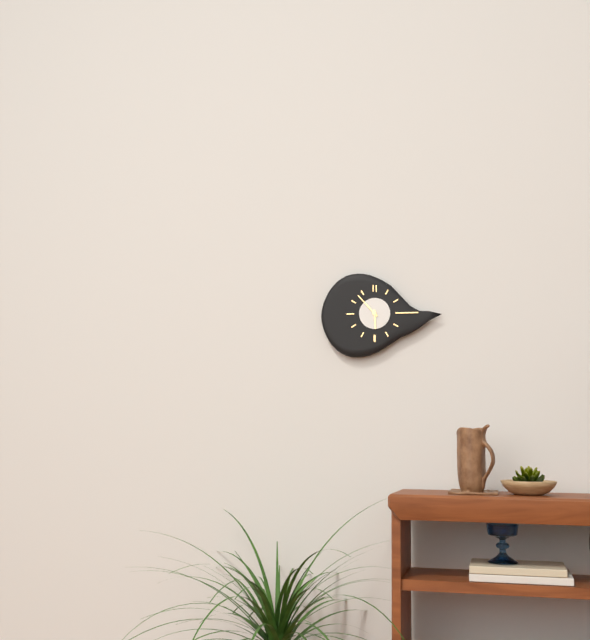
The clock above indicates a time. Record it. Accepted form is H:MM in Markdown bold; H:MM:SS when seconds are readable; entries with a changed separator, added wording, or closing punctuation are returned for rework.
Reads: **5:53**
